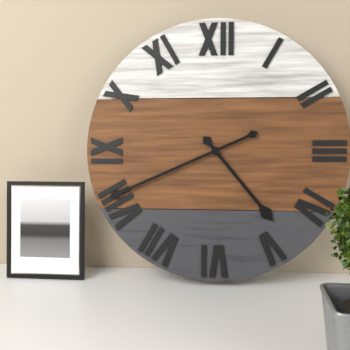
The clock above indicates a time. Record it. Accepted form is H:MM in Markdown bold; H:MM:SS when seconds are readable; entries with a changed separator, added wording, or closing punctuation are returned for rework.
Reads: **4:41**
